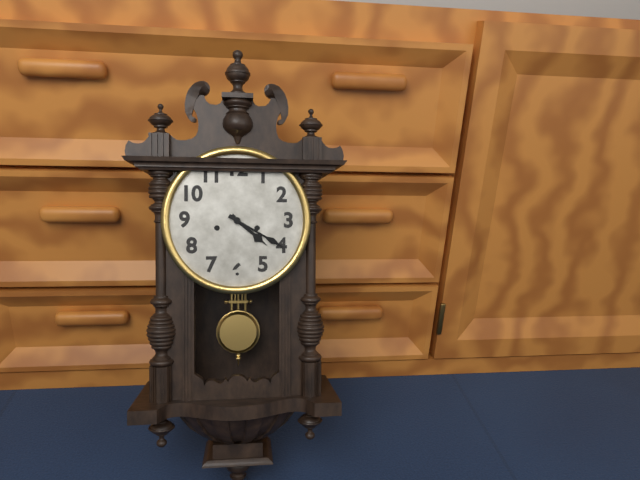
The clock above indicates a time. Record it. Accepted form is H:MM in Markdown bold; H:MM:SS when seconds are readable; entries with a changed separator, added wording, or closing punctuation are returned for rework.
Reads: **4:20**
